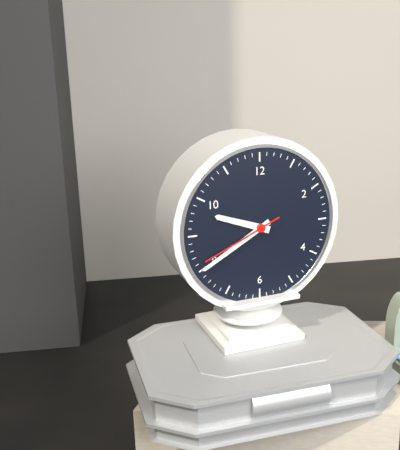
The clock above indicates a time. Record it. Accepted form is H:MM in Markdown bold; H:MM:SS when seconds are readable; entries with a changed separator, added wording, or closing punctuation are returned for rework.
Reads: **9:40:41**
